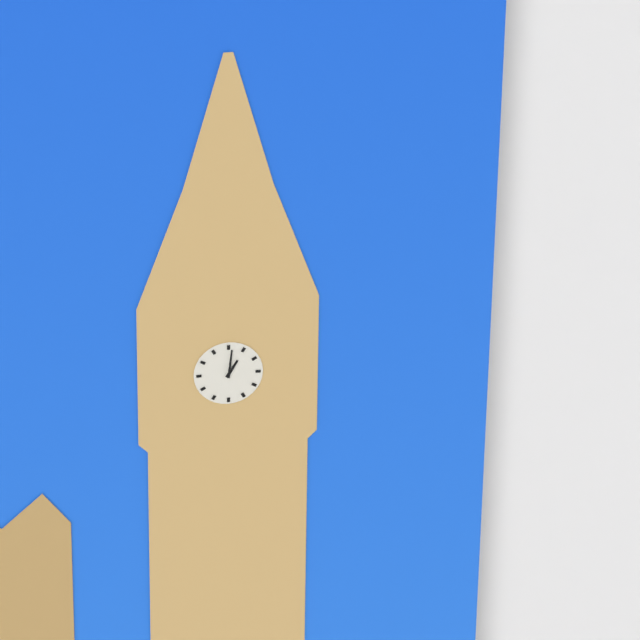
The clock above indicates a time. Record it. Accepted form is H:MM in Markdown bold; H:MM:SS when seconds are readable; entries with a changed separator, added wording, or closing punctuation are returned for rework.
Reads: **1:01**
